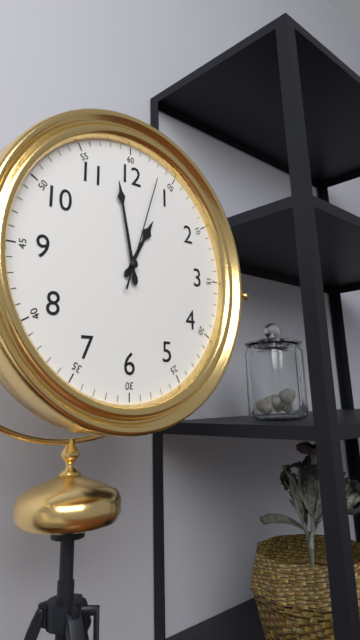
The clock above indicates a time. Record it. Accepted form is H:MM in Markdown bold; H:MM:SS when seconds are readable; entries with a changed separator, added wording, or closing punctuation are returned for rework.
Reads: **12:58:03**
